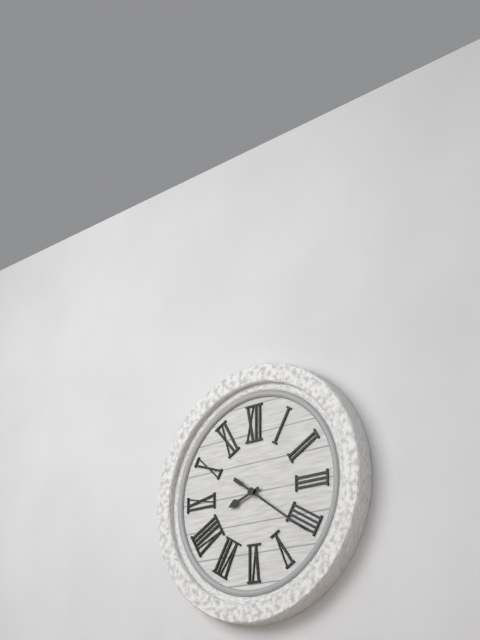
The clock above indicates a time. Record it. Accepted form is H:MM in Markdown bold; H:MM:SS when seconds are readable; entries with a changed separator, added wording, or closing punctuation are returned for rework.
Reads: **8:21**
